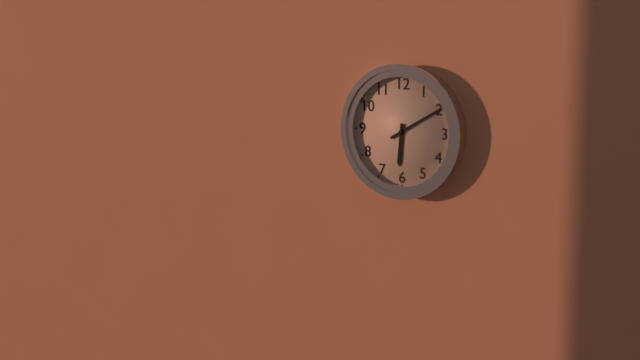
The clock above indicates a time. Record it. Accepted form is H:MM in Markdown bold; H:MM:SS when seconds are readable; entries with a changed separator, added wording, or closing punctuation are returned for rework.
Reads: **6:10**
